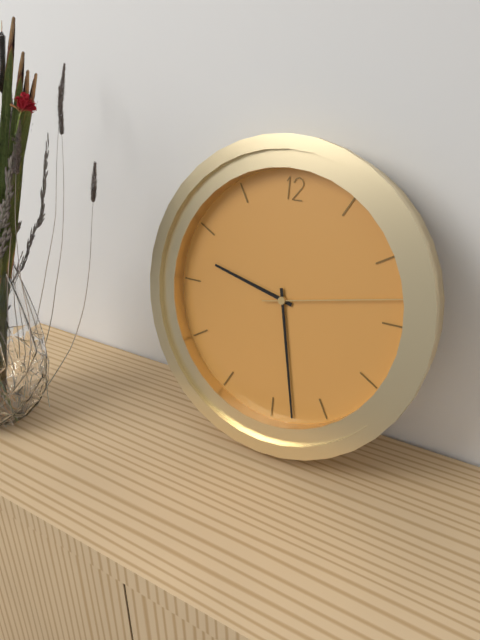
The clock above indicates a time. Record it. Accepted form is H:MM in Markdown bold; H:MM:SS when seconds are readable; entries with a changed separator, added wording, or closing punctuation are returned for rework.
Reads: **9:28:13**
